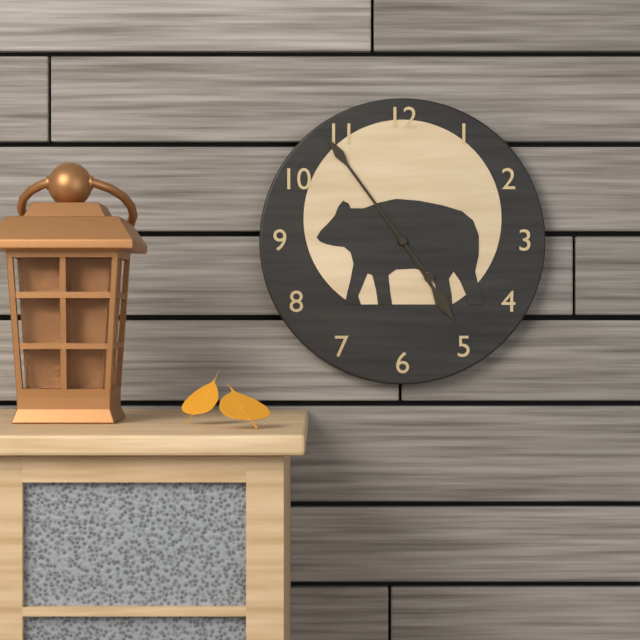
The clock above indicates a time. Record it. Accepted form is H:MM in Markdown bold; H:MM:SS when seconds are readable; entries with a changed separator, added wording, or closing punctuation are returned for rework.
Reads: **4:54**
